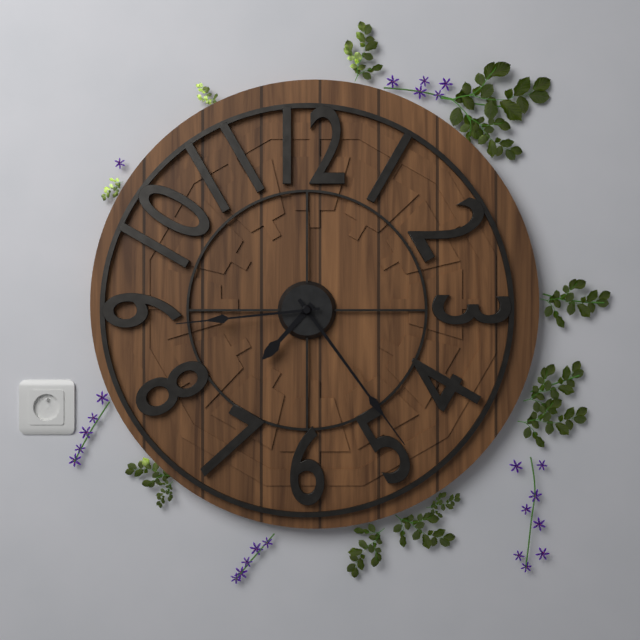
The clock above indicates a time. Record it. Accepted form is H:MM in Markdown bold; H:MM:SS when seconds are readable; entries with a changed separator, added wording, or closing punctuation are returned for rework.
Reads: **7:24:44**
